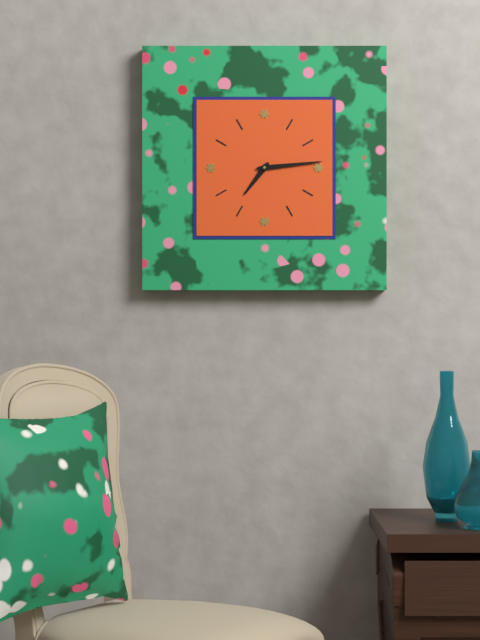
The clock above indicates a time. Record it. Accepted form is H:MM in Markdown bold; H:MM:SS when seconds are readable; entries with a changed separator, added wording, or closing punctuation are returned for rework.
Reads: **7:14**
